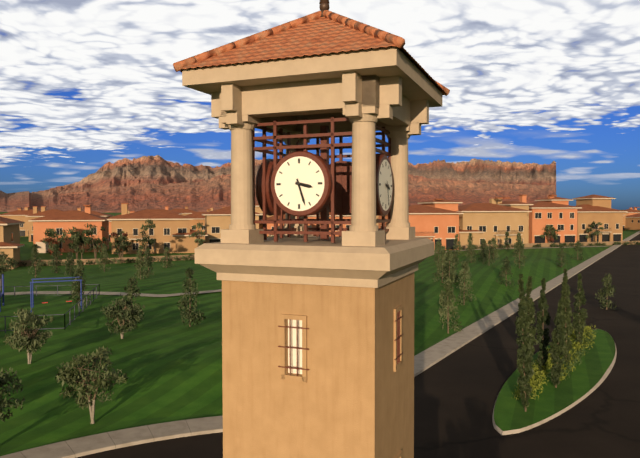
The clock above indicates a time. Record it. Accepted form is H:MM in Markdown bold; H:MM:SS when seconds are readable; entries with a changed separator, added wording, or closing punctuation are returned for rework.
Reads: **3:27**
